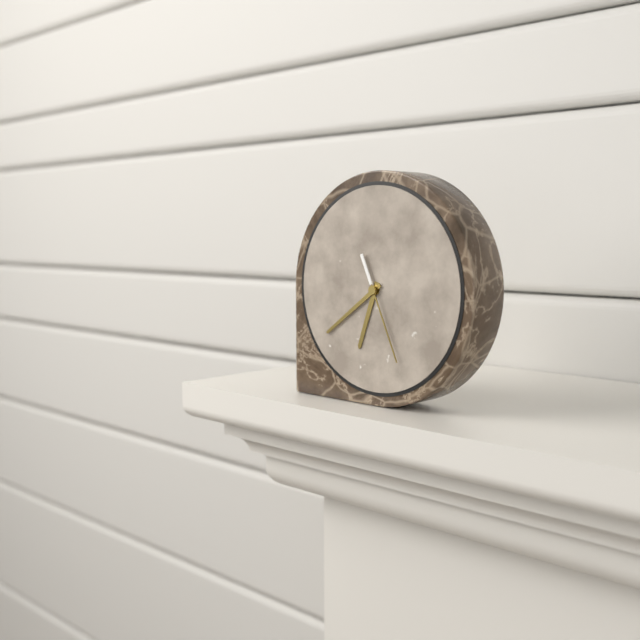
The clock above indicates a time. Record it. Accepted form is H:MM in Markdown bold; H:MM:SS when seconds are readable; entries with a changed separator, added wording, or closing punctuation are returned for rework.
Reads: **6:39:26**
